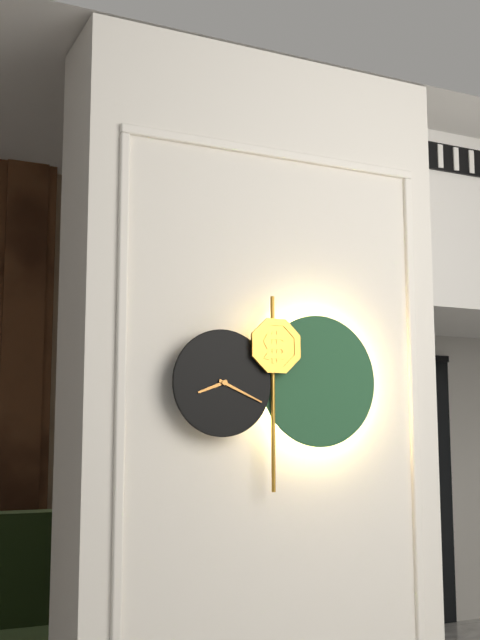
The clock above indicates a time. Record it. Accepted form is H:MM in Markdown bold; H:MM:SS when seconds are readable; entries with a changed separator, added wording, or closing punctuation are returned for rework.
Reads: **8:19**
